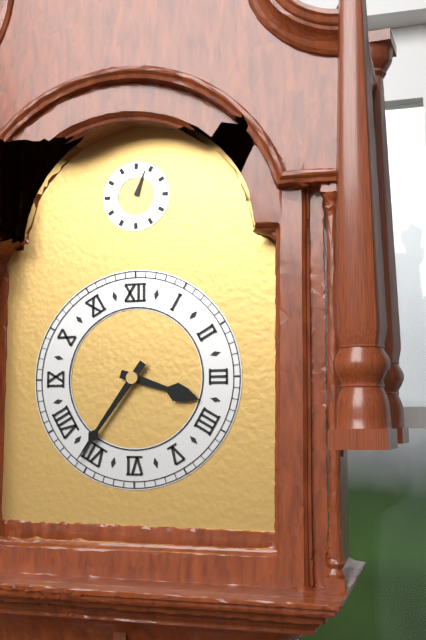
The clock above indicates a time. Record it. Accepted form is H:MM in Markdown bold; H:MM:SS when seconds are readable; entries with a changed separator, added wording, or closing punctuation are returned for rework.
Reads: **3:36**
